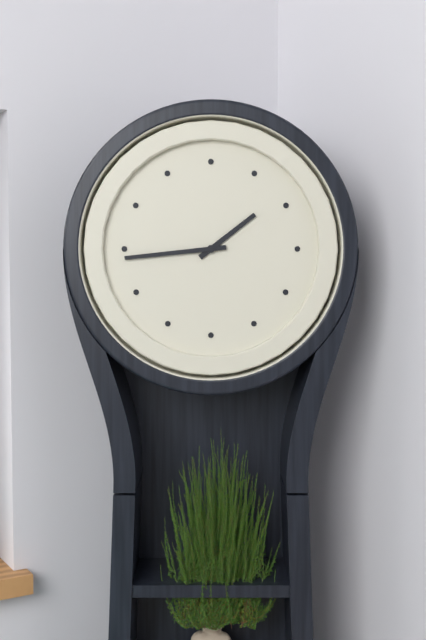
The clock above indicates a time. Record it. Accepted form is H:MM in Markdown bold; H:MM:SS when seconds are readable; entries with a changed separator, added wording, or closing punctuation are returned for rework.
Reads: **1:44**
